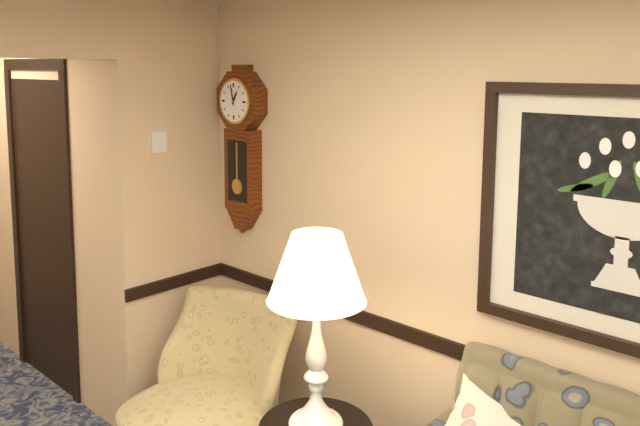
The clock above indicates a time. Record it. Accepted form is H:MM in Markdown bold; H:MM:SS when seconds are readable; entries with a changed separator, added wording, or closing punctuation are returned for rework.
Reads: **12:58**
